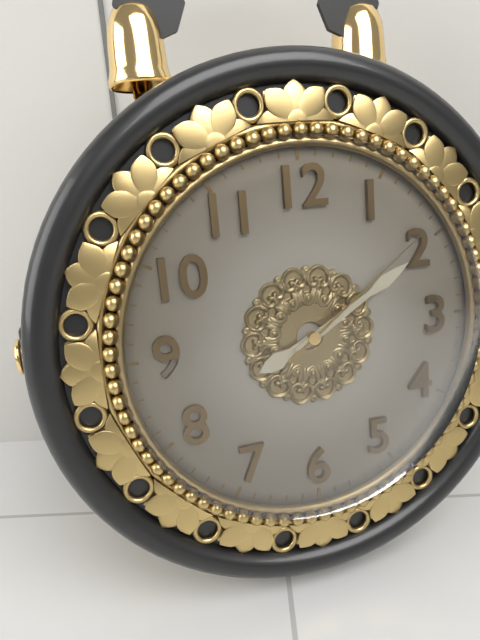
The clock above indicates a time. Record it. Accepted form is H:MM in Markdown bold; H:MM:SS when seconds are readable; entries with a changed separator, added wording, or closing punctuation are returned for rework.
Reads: **8:10:09**
